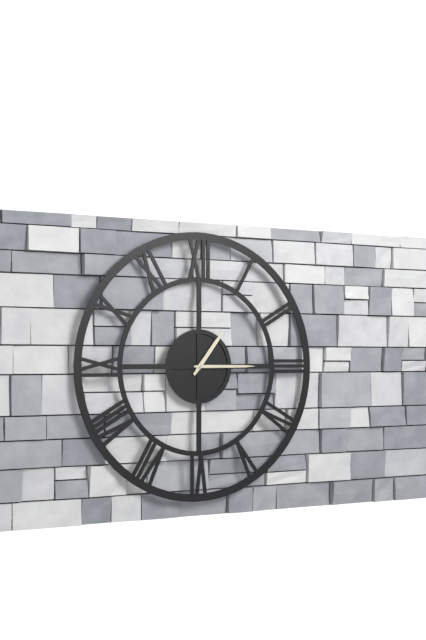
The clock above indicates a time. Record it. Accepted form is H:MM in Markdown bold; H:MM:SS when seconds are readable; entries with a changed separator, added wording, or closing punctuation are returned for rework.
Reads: **1:15**
